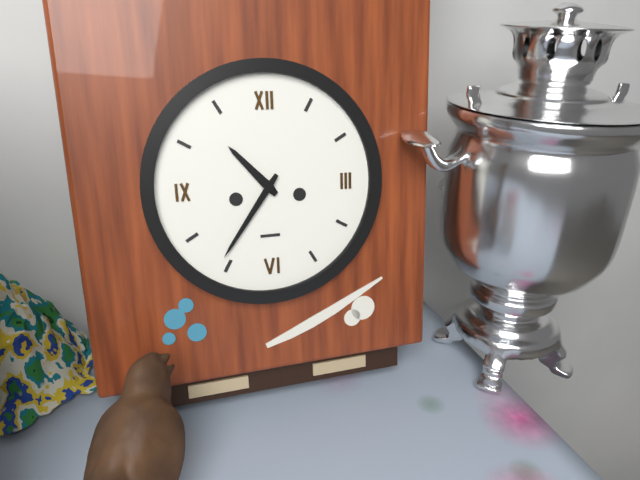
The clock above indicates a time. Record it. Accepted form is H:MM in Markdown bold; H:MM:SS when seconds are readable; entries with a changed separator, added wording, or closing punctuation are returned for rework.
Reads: **10:36**
